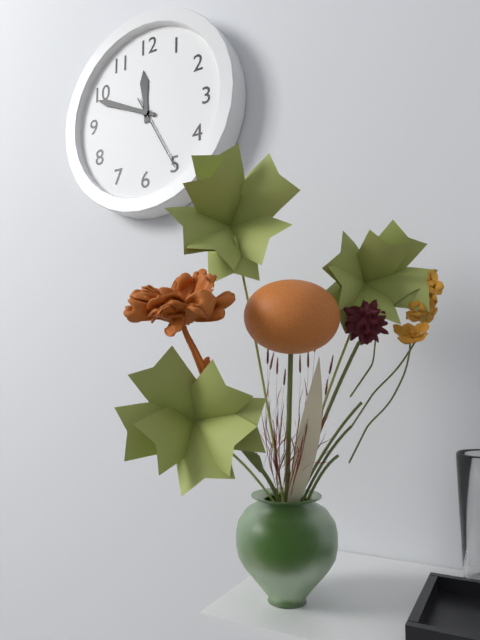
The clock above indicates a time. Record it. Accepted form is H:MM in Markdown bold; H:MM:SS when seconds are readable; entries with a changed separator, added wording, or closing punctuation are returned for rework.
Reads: **11:49:25**
